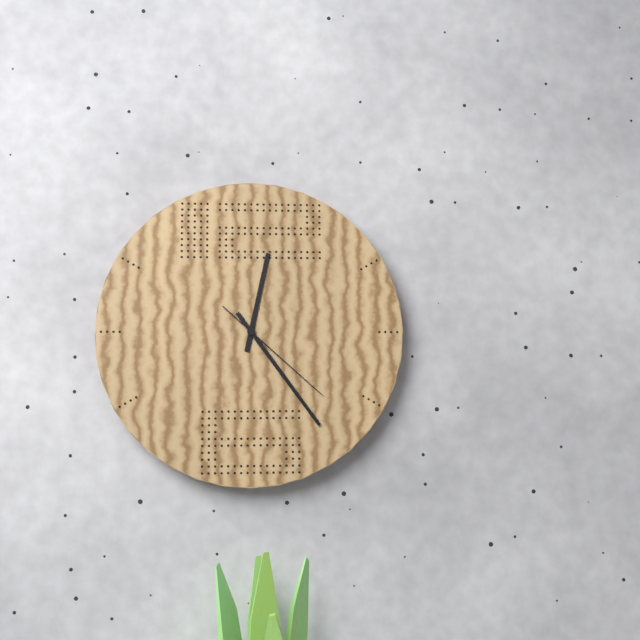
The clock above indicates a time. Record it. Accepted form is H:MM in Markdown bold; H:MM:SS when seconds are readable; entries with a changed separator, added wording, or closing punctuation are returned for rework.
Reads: **12:24:22**
